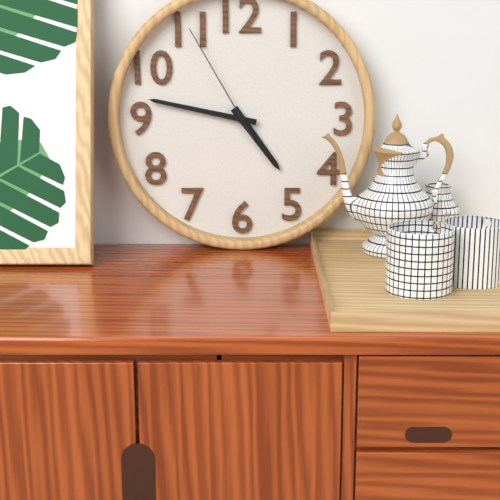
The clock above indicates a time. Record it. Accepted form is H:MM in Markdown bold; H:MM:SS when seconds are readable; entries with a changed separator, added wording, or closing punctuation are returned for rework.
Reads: **4:47:55**
